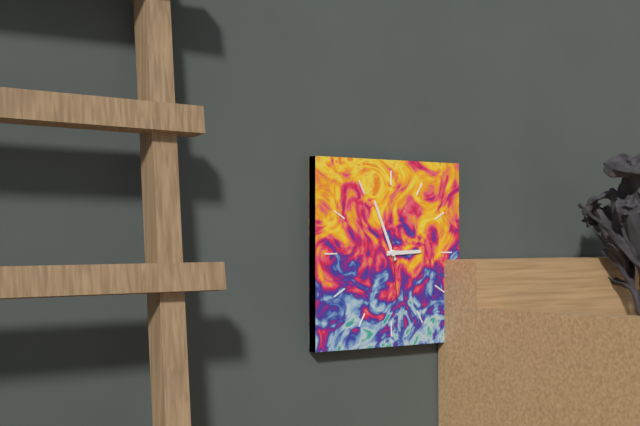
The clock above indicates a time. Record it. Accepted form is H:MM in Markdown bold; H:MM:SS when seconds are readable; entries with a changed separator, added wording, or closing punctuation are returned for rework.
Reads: **2:56:29**
